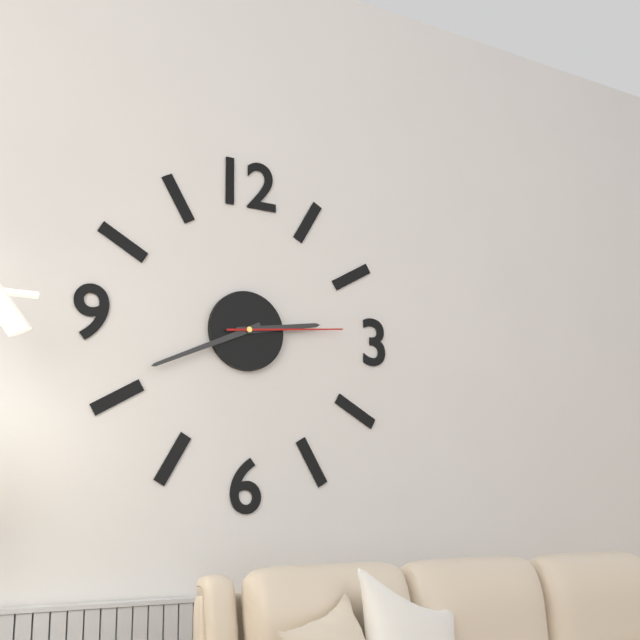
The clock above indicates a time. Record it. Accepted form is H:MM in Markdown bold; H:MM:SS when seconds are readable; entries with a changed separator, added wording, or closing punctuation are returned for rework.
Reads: **2:41:14**
